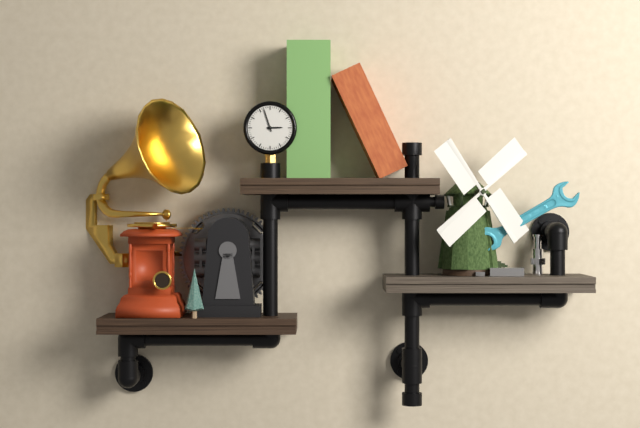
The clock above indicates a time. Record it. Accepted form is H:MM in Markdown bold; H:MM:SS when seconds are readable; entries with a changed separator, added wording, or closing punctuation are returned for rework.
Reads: **2:57**
